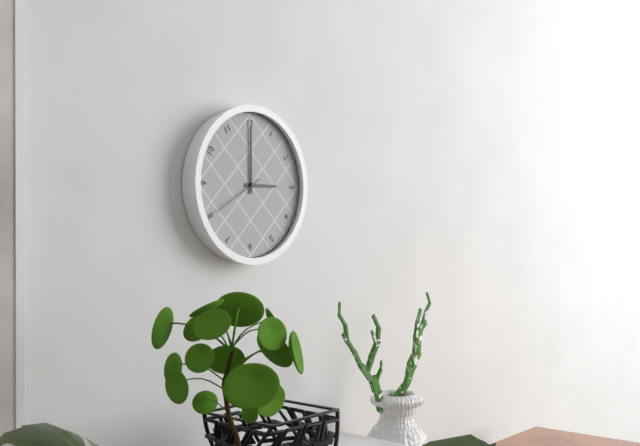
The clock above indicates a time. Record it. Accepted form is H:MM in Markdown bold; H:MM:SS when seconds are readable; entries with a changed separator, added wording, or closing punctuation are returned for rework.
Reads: **3:00:40**
